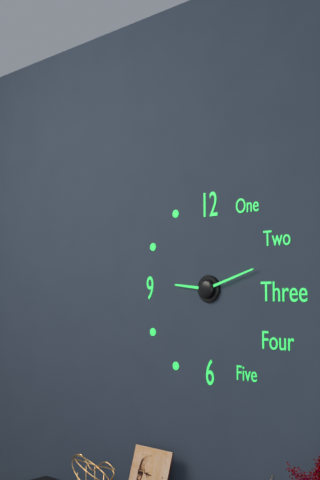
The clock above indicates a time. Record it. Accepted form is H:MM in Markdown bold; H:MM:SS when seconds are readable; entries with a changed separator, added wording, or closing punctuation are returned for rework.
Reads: **9:12**
